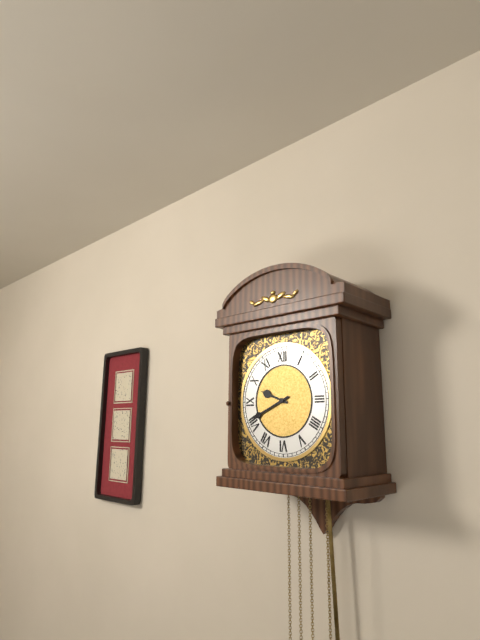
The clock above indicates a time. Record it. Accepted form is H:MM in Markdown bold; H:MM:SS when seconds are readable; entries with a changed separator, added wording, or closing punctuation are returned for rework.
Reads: **9:41**
